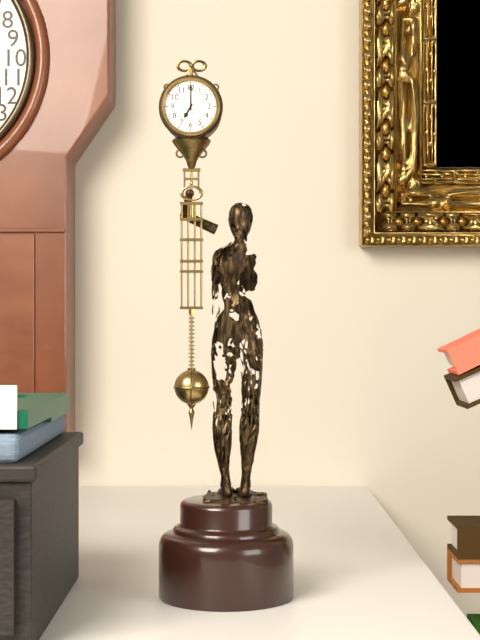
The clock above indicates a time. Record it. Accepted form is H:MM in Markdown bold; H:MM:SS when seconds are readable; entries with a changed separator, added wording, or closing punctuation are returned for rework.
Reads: **7:00**
